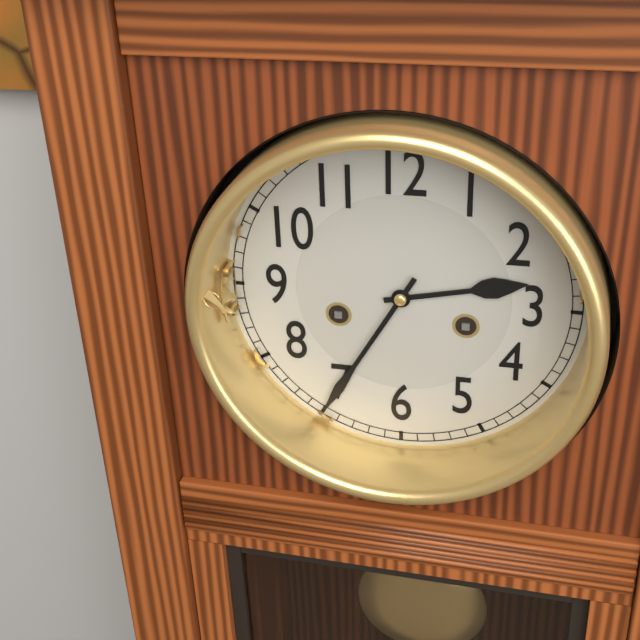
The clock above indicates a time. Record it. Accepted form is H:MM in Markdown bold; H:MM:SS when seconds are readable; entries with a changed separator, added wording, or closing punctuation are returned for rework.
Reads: **2:35**
